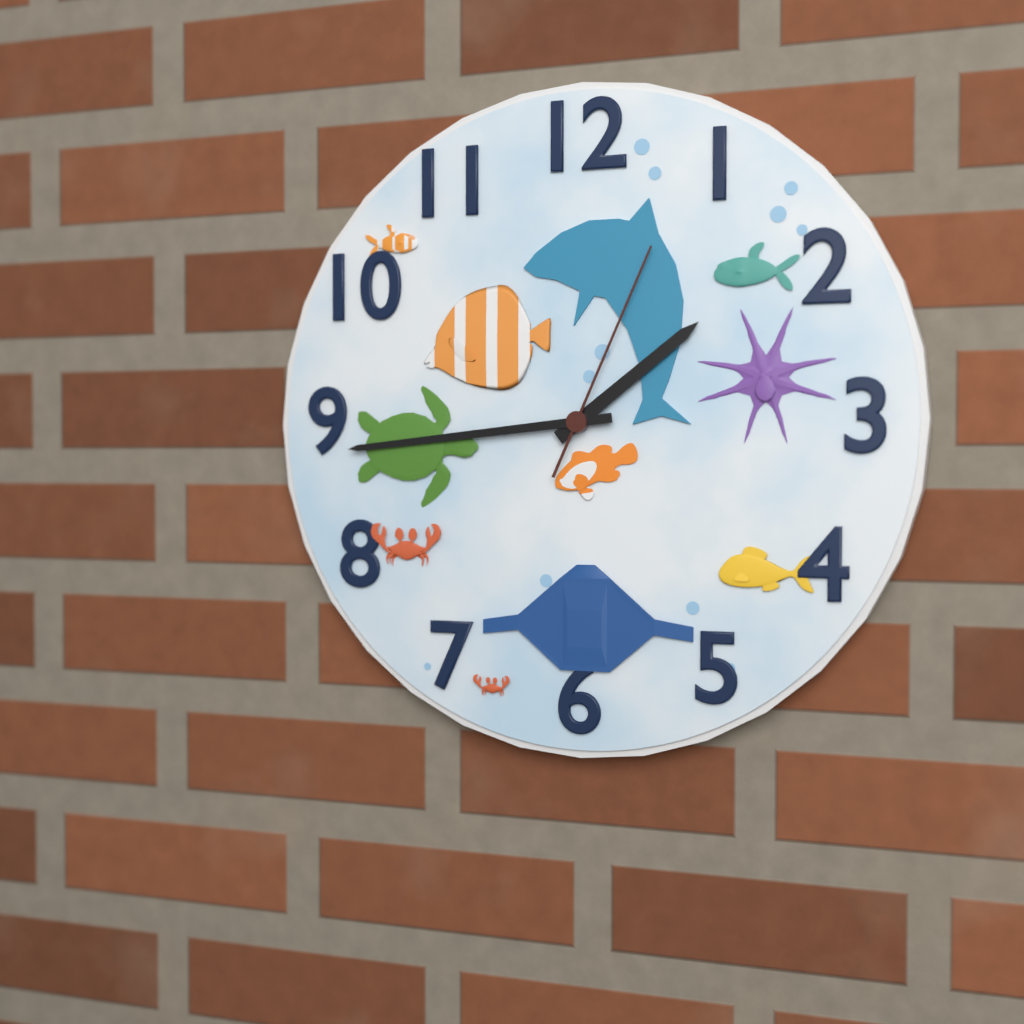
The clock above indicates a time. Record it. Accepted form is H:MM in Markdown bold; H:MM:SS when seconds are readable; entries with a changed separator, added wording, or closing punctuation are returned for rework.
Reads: **1:44:04**
